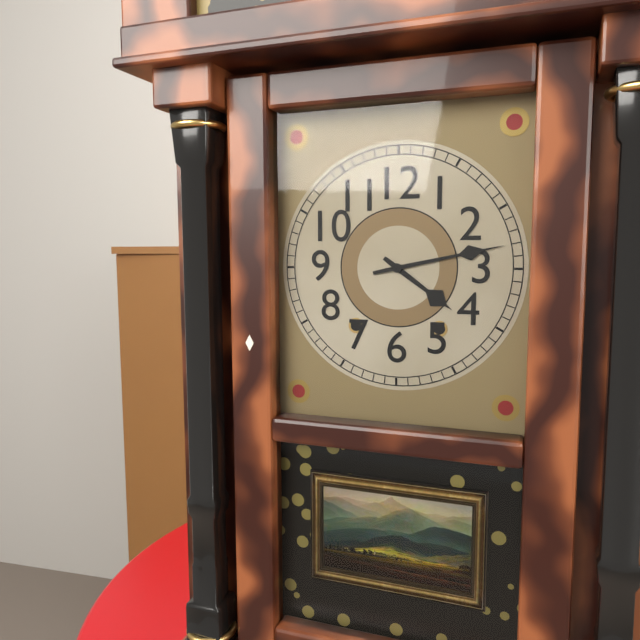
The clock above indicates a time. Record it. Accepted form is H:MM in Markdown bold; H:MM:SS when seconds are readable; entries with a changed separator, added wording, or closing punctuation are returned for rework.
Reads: **4:13**
